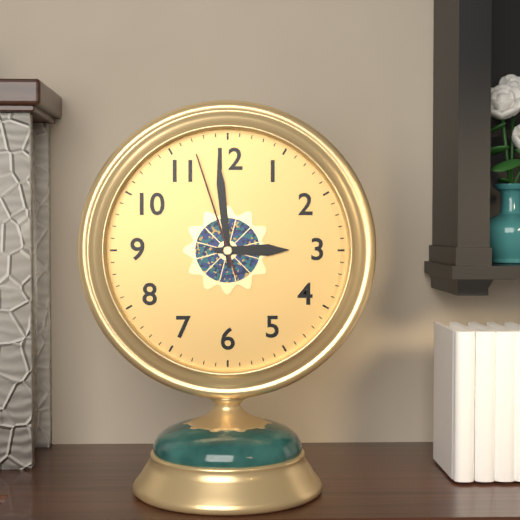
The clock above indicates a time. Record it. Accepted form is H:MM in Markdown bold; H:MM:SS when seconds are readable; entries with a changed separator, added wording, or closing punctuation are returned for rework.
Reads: **2:59:57**
